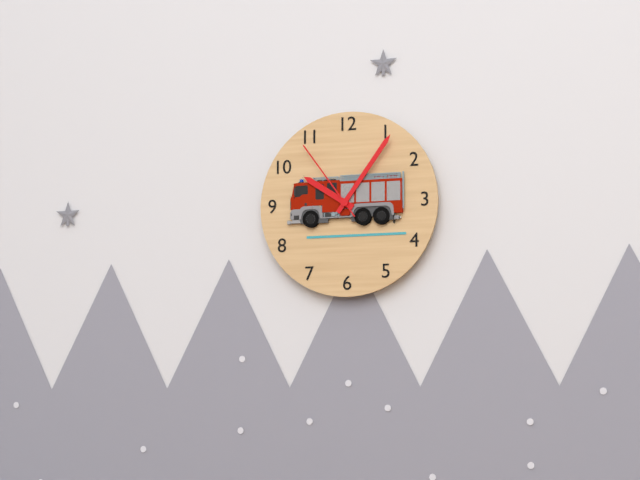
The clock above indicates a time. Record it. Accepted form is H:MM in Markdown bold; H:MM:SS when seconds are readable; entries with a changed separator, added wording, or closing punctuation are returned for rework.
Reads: **10:06:54**
